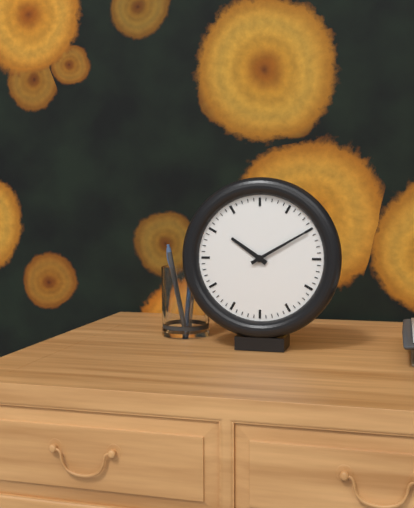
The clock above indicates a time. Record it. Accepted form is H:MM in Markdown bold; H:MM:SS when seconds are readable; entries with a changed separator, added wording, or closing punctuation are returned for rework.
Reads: **10:10**
